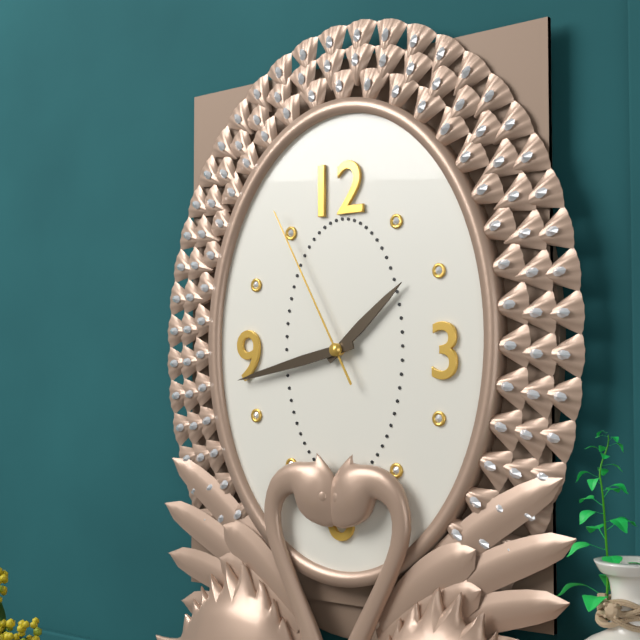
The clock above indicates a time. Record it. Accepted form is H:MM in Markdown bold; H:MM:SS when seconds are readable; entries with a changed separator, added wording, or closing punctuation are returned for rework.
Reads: **1:43:55**
